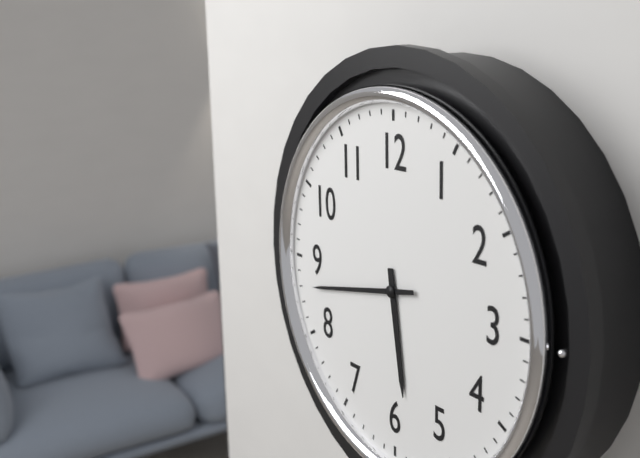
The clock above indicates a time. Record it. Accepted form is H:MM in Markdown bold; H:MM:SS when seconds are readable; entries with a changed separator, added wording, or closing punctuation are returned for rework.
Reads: **5:43**
